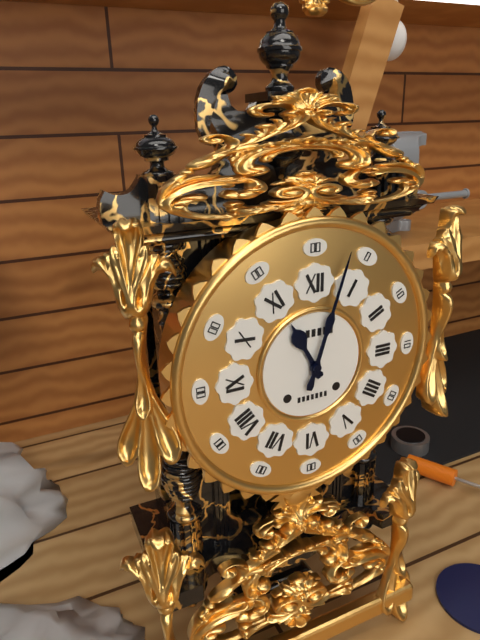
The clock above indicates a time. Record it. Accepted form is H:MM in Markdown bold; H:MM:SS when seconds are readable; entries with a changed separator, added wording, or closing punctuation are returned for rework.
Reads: **11:03**
